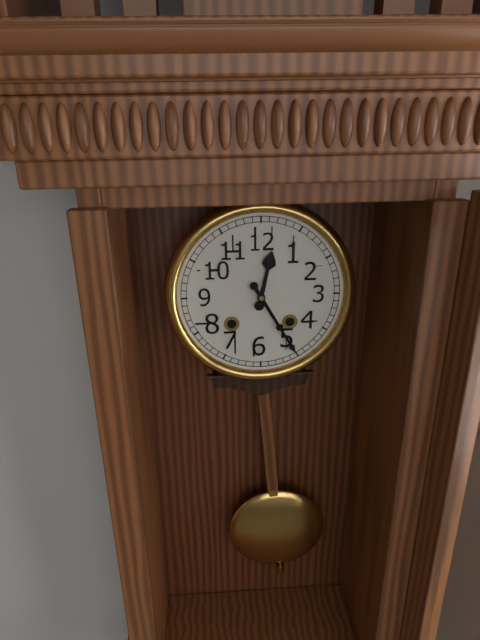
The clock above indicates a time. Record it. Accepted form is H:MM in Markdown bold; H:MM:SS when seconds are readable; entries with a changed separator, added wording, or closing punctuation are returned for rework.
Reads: **12:25**
